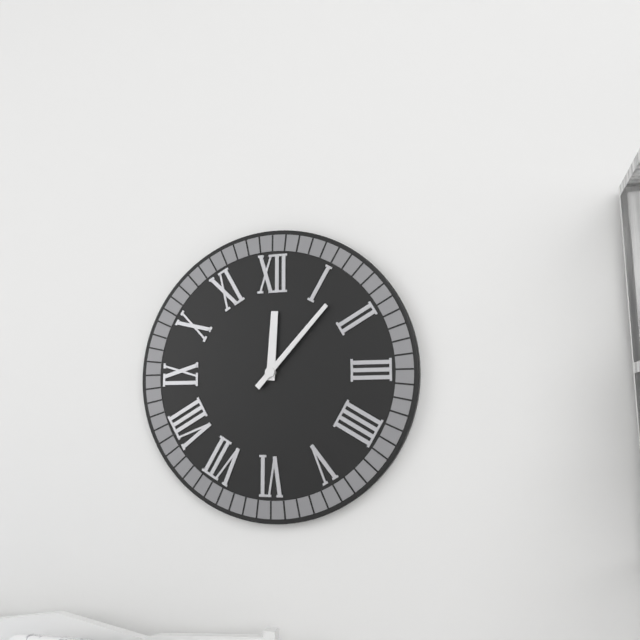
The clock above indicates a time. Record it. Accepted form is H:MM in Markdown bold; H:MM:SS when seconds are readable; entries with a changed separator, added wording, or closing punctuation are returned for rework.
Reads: **12:07**
